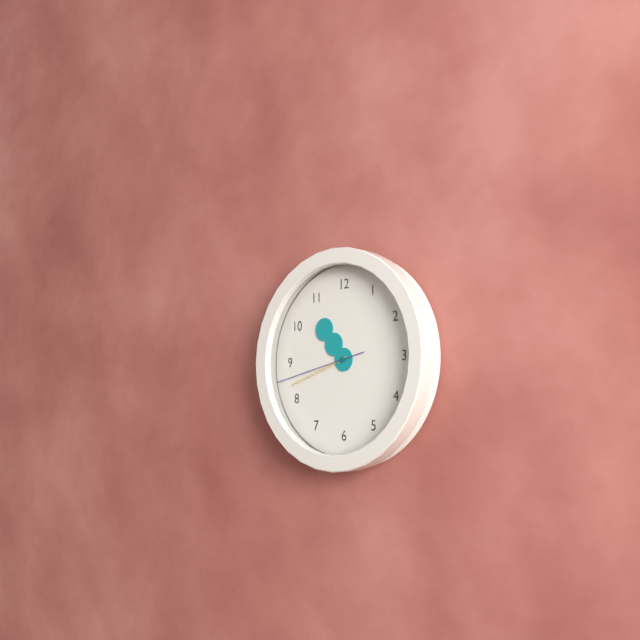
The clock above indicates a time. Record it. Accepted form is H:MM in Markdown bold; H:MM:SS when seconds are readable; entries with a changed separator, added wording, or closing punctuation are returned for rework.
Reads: **10:42:43**
